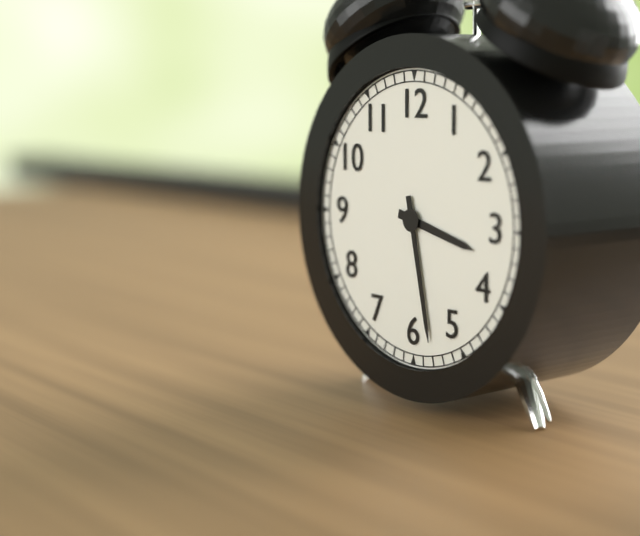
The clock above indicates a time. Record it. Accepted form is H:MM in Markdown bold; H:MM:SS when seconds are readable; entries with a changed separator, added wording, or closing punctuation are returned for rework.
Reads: **3:28**
